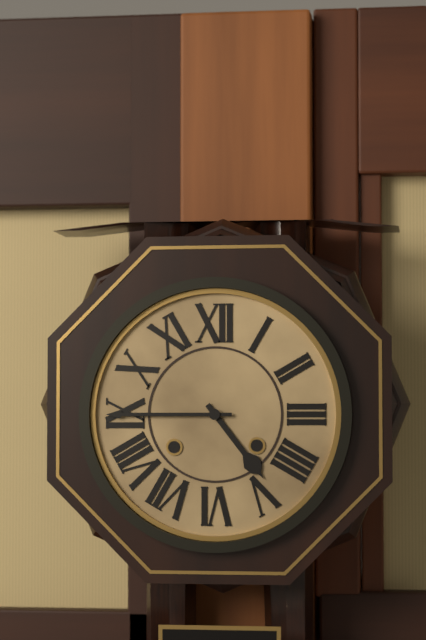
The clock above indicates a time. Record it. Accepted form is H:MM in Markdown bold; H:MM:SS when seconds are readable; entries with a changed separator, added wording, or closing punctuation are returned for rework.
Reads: **4:45**
